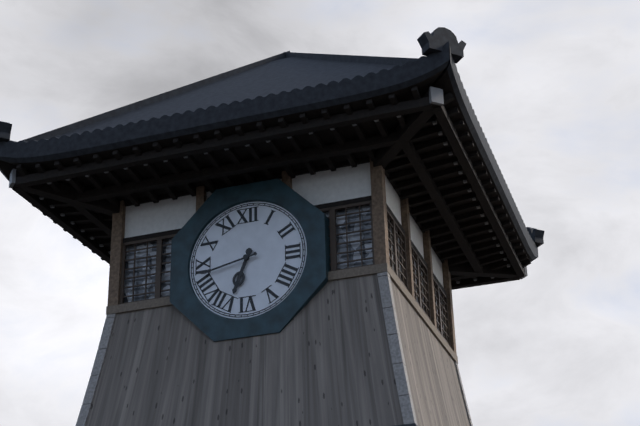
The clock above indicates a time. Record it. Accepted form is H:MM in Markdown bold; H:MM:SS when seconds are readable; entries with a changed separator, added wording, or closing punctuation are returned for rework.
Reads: **6:43**
